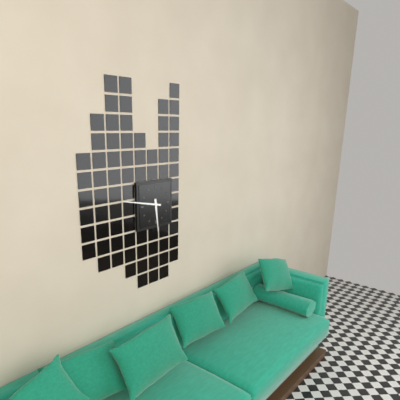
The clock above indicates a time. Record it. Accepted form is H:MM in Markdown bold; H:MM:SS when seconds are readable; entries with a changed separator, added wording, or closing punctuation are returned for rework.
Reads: **5:47**
